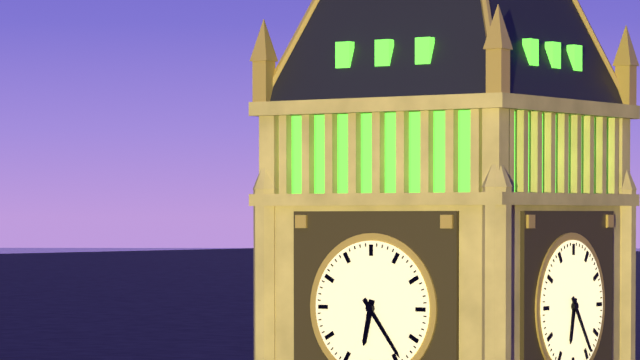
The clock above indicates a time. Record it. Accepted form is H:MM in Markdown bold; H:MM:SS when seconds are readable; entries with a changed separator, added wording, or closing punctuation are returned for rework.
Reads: **6:24**
